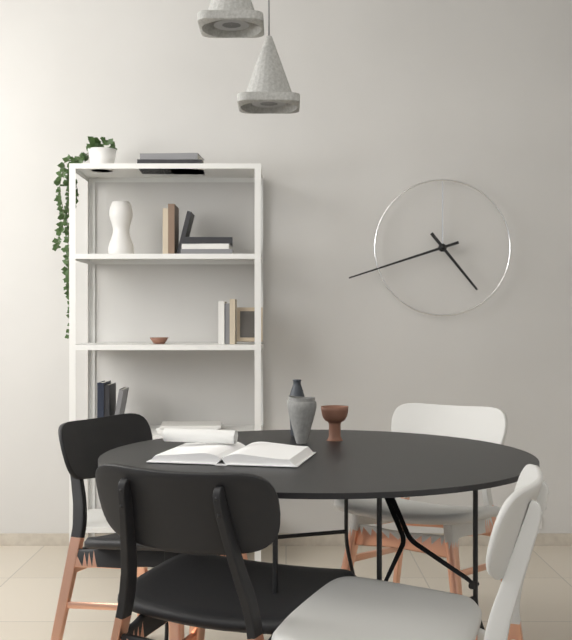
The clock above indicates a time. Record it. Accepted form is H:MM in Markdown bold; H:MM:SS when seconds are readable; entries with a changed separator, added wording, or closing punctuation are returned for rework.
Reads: **4:42**
